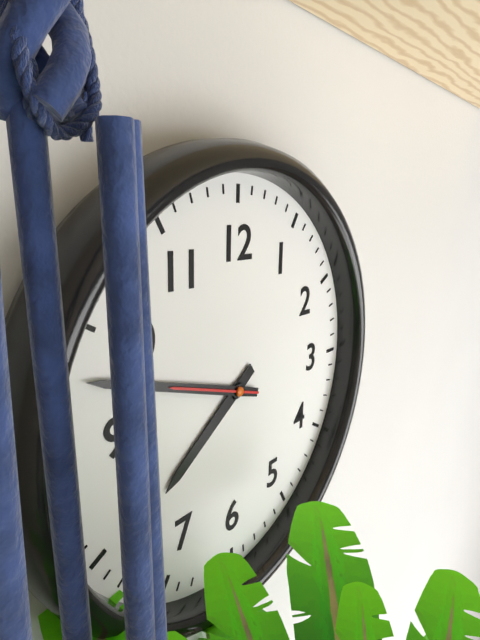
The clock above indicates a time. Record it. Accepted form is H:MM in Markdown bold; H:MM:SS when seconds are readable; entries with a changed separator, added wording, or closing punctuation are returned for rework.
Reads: **7:48:48**
